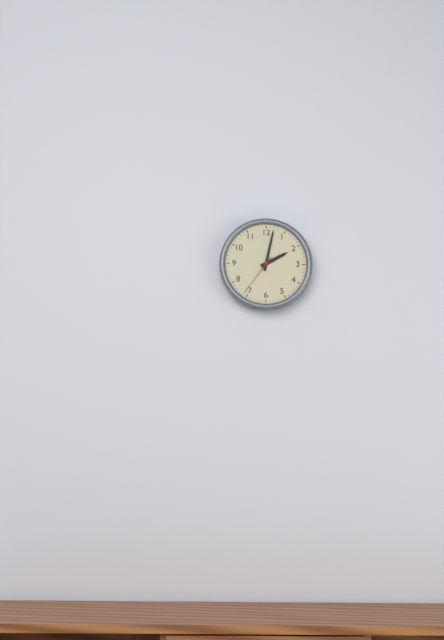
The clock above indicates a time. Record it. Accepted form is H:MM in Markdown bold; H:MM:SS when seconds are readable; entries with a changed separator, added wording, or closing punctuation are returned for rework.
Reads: **2:02**
